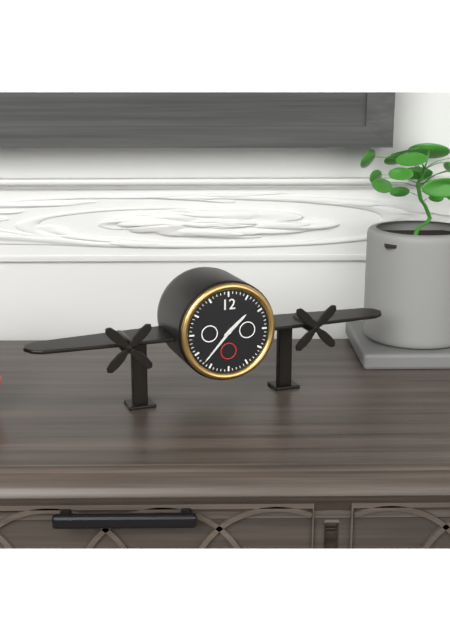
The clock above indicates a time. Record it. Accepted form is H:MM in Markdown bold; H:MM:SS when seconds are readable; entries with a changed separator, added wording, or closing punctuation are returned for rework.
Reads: **1:37**
